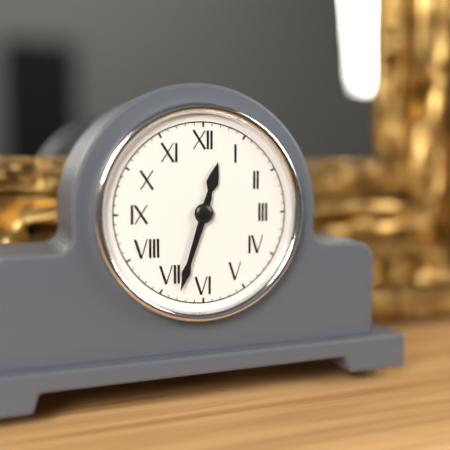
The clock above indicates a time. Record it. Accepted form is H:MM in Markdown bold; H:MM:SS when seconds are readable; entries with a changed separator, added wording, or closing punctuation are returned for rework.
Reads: **12:33**
